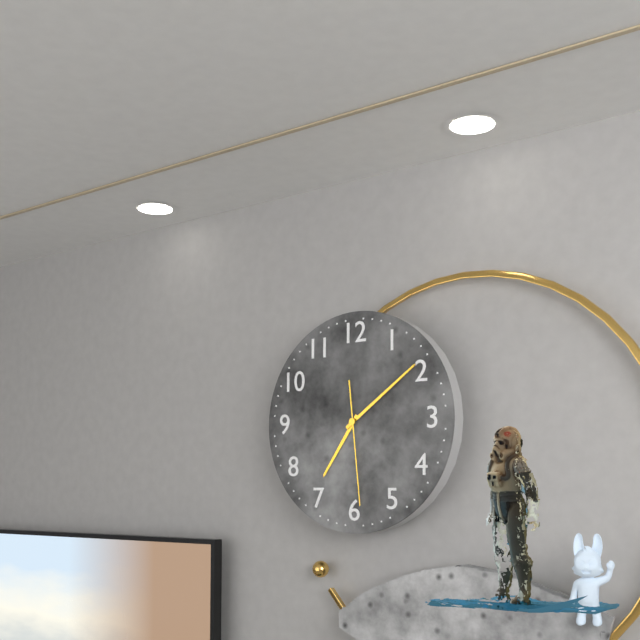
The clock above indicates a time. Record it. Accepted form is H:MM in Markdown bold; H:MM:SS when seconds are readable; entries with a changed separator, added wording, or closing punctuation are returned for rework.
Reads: **7:09:29**
